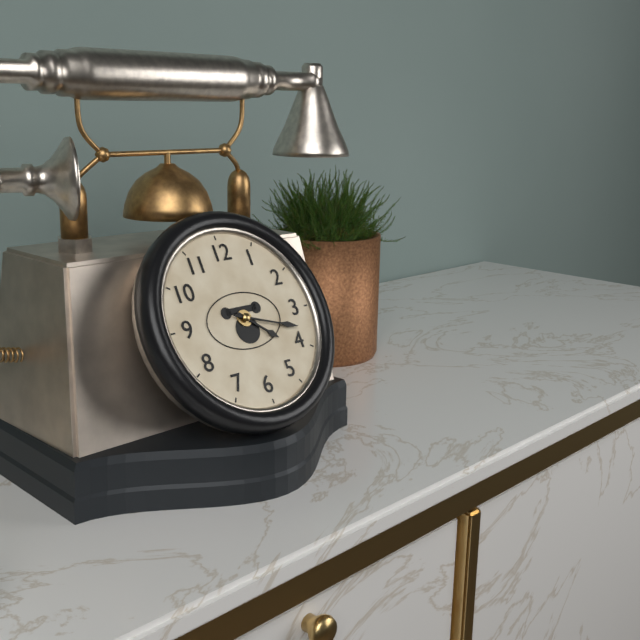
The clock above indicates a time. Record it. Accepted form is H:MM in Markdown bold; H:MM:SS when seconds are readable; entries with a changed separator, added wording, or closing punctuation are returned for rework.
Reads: **4:18**
